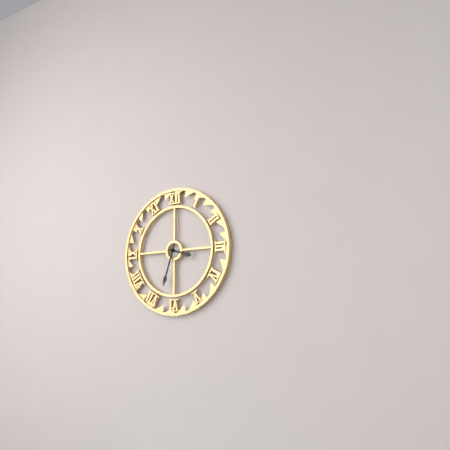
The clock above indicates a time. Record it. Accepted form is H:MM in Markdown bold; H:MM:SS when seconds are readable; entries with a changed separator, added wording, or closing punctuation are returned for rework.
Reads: **3:33**
